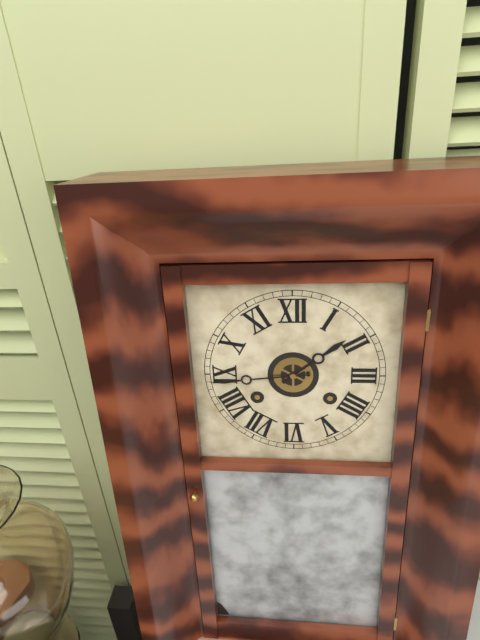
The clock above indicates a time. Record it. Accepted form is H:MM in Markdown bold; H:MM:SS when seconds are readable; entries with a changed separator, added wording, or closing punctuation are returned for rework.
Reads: **1:44**
